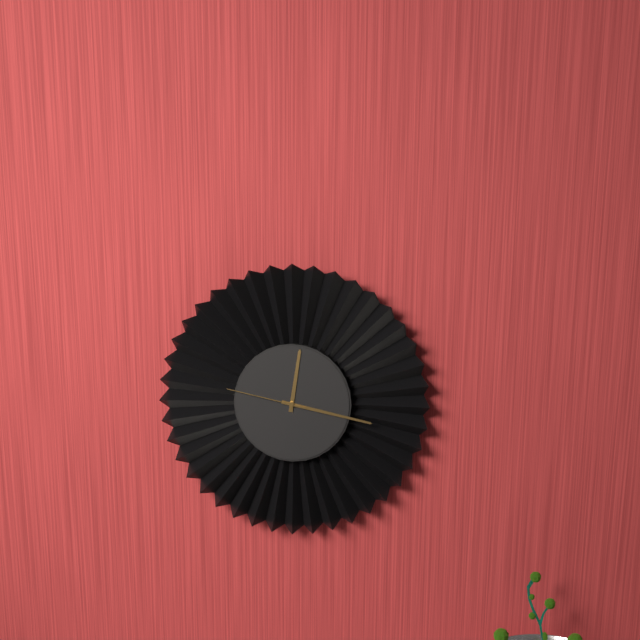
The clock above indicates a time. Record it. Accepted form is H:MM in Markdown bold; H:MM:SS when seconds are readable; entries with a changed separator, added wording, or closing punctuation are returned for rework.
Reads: **12:17:47**
